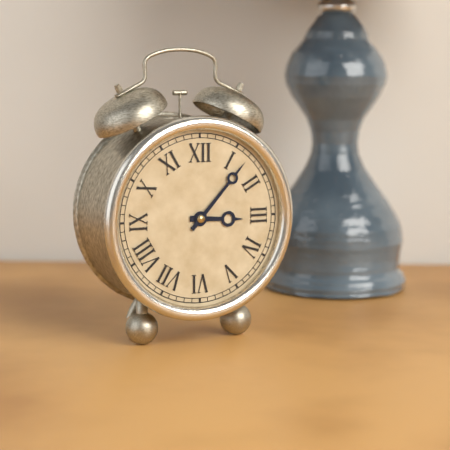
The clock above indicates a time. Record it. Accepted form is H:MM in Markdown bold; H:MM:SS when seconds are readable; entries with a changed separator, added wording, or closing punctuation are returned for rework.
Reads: **3:07**
